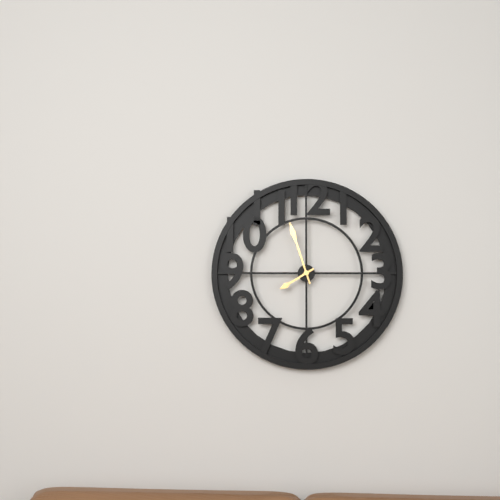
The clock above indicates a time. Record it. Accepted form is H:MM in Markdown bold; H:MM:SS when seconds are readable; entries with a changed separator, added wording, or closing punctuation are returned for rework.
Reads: **7:57**
